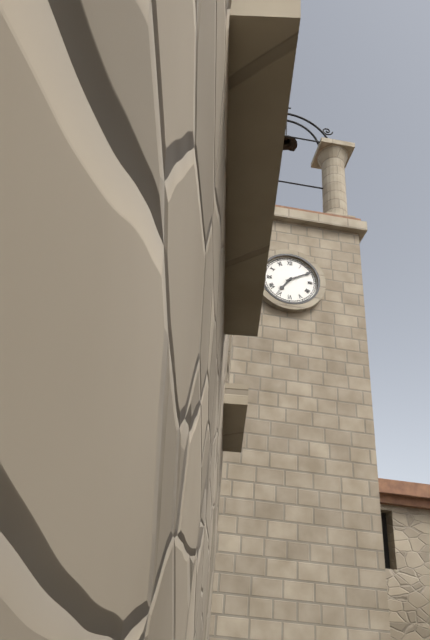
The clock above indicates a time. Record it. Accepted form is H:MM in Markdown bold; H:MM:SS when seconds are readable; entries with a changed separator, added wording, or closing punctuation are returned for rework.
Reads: **7:10**
